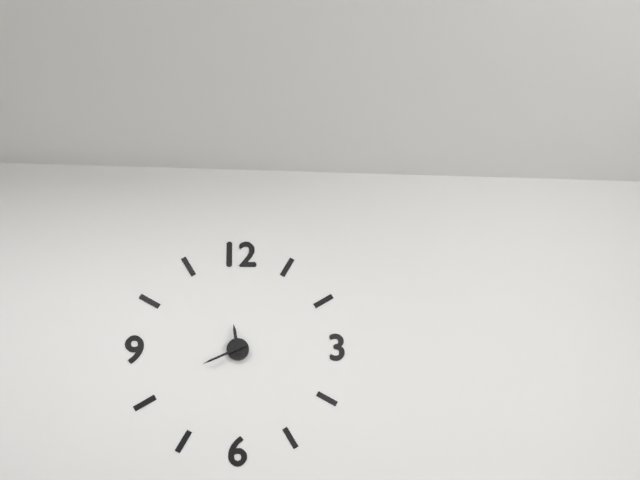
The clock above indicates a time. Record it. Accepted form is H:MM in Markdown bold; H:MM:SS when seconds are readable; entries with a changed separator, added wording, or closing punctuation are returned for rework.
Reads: **11:41**
